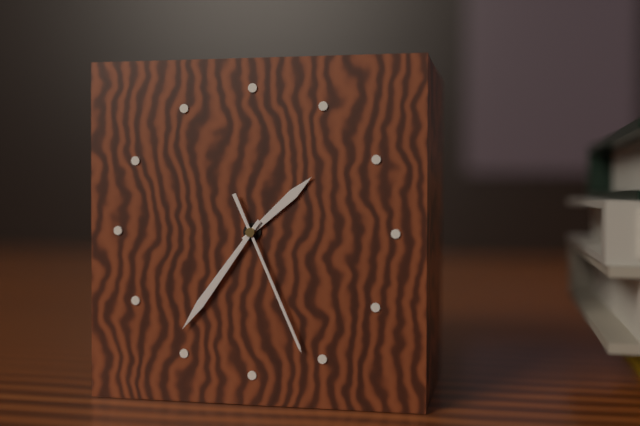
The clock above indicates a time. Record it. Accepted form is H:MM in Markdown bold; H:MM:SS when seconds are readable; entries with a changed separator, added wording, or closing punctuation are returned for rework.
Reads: **1:36:26**
